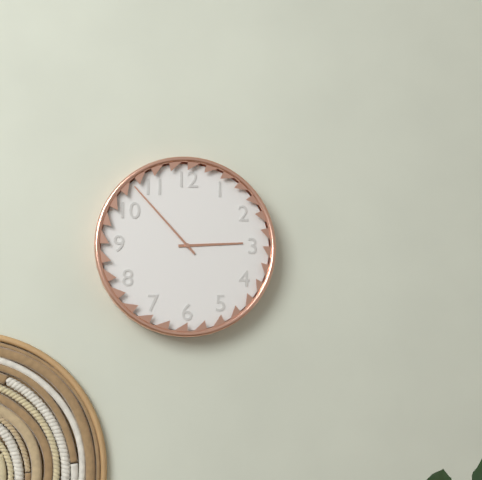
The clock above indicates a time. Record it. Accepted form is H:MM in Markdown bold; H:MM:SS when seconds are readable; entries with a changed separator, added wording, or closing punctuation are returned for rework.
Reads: **2:53**
